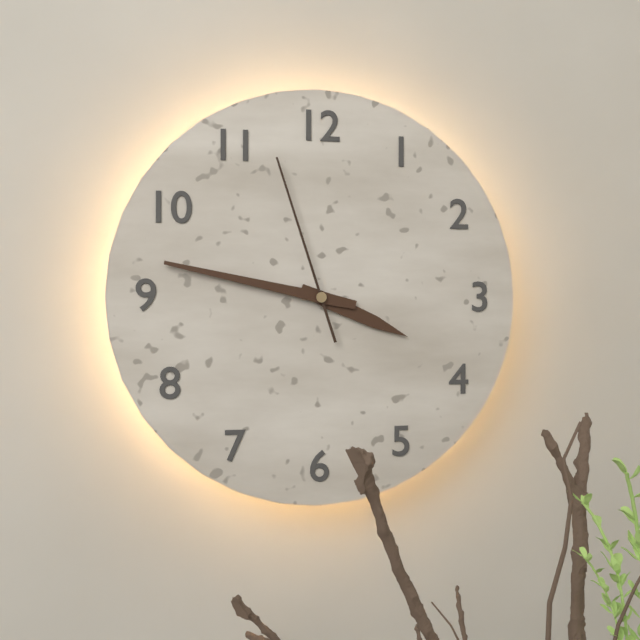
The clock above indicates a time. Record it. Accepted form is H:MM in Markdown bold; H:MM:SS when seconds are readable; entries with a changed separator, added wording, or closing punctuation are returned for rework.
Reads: **3:47:57**
